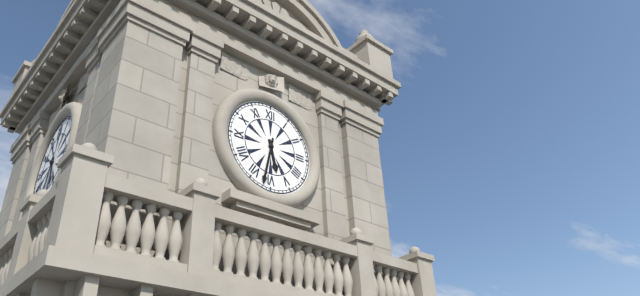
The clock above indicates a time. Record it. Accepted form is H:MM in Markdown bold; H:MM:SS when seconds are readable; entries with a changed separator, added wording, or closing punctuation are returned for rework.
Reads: **5:32**
